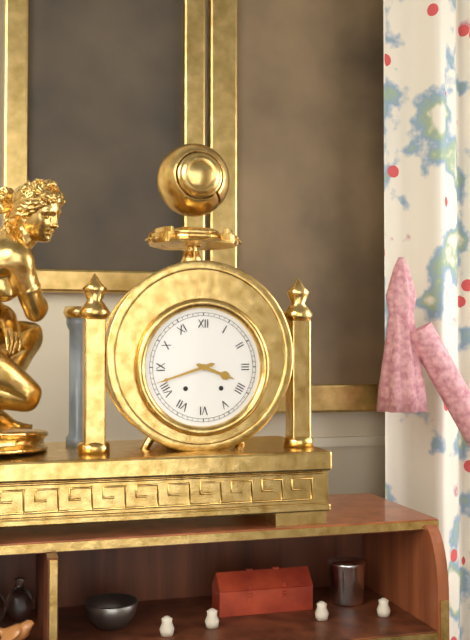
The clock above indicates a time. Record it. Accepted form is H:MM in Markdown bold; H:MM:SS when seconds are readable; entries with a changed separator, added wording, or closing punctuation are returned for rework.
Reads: **3:42**
